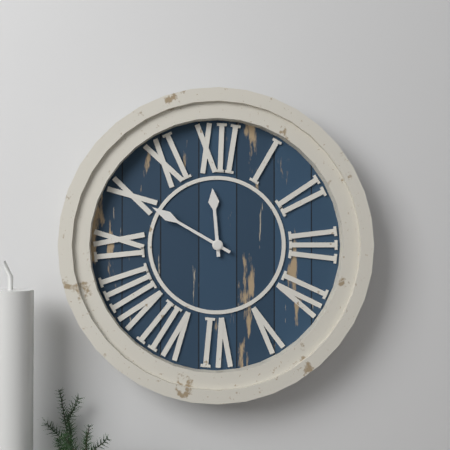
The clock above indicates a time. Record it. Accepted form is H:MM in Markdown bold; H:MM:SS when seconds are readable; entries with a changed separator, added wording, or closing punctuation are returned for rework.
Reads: **11:50**
